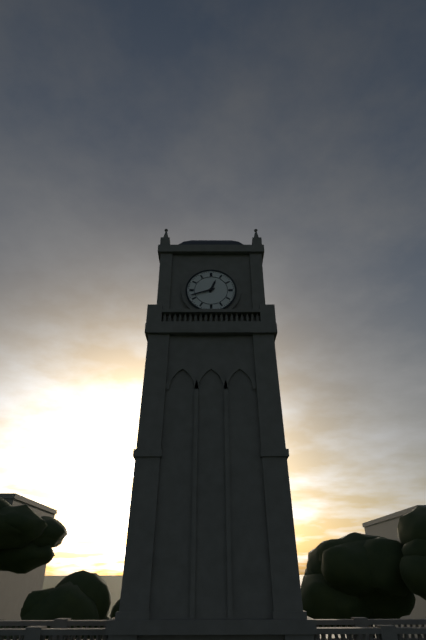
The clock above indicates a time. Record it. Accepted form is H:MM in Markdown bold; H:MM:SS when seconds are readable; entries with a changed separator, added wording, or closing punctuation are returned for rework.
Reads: **12:42**
